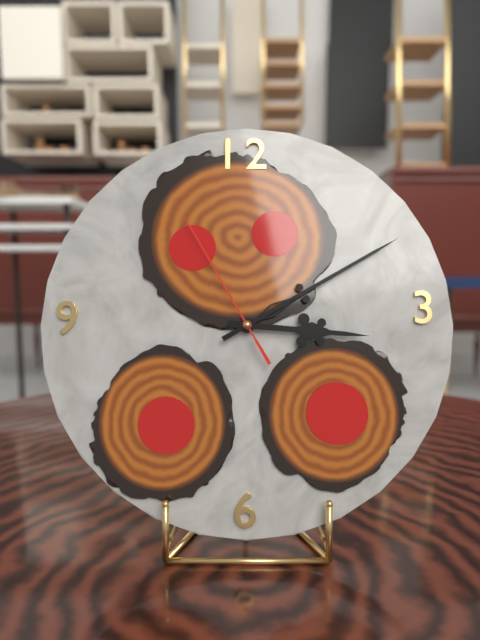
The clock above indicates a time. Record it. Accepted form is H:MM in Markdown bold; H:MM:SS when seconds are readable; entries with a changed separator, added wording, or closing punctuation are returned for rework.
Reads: **3:10:55**
